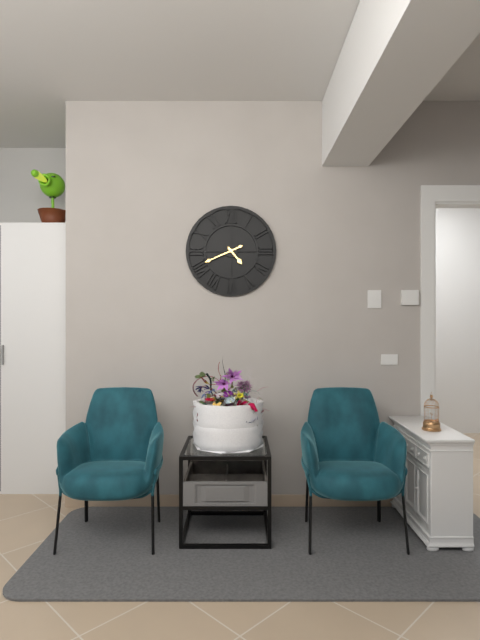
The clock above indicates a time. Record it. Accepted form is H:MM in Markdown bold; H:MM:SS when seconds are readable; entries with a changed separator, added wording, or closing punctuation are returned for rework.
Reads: **4:41**
